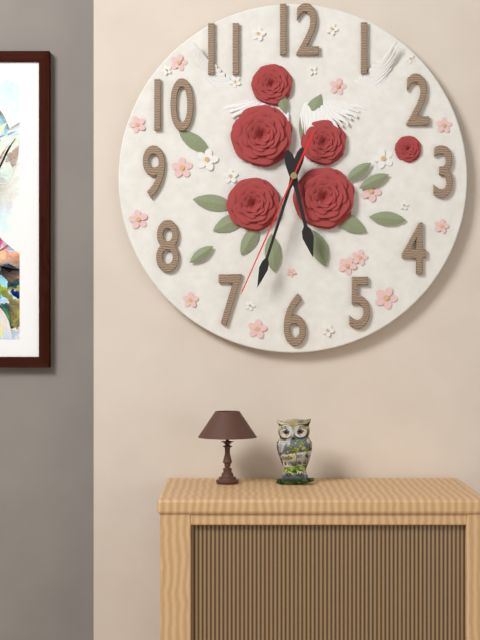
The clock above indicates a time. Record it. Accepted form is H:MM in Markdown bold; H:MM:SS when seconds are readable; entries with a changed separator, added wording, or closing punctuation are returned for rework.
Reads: **5:33:34**
